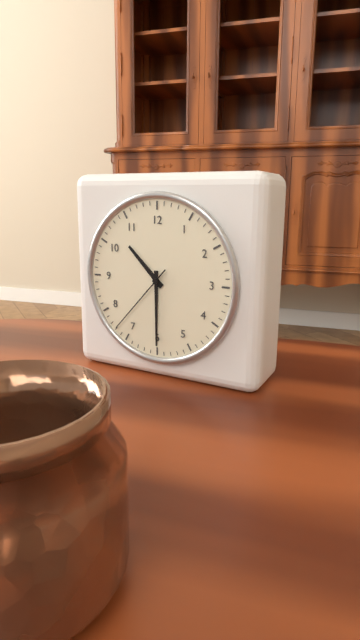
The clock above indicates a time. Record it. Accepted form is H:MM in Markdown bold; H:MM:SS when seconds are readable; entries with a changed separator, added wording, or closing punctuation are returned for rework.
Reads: **10:30:37**
